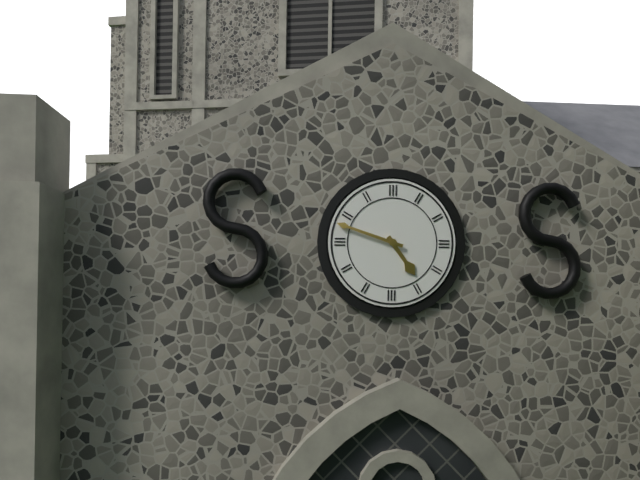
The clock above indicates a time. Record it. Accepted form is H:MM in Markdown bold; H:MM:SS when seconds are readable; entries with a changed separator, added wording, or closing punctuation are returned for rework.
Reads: **4:48**
